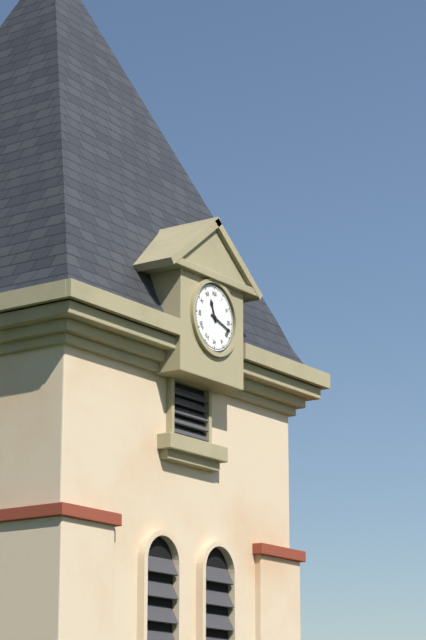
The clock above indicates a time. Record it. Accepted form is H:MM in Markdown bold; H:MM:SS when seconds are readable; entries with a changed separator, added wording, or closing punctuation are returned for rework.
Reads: **11:18**
